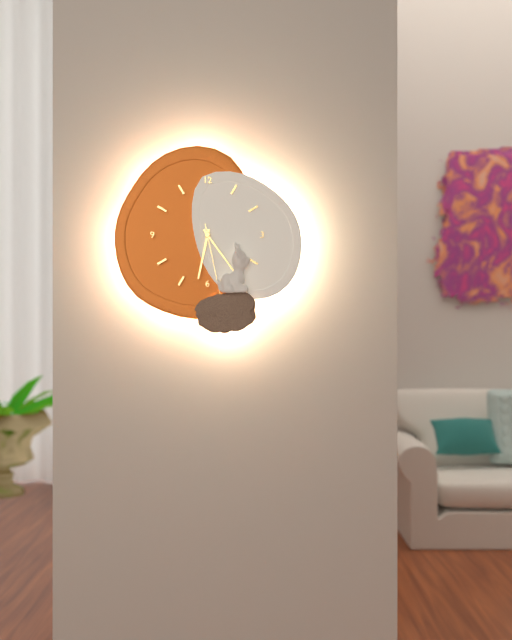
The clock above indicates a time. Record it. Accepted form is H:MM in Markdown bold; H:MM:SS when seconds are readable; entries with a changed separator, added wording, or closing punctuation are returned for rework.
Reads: **6:24:28**
